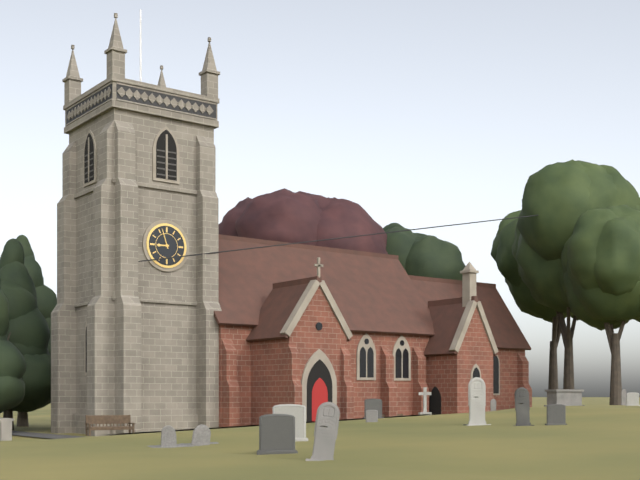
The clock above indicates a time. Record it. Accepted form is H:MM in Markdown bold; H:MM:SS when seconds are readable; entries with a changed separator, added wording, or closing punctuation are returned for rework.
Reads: **8:57**
